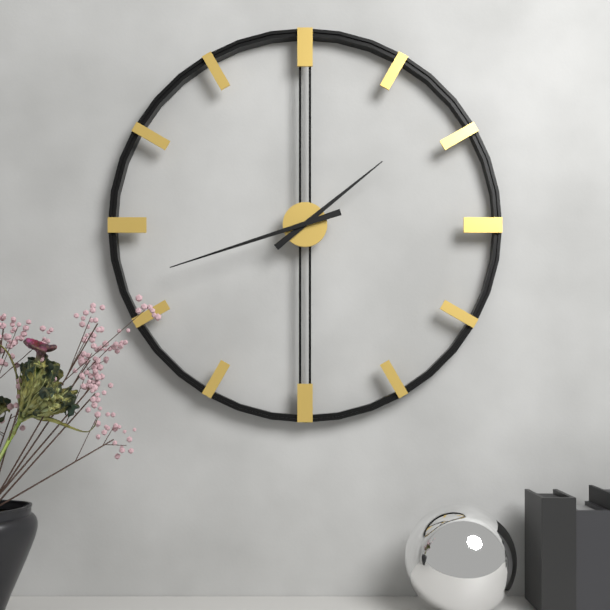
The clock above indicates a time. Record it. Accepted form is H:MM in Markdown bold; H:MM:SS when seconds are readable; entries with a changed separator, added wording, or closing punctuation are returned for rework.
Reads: **1:42**
